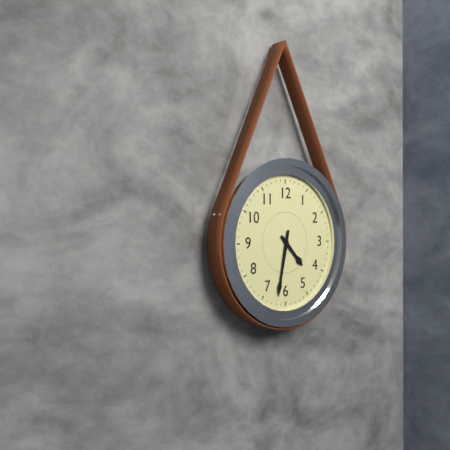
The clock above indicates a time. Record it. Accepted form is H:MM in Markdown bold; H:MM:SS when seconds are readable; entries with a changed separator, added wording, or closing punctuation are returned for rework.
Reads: **4:32**
